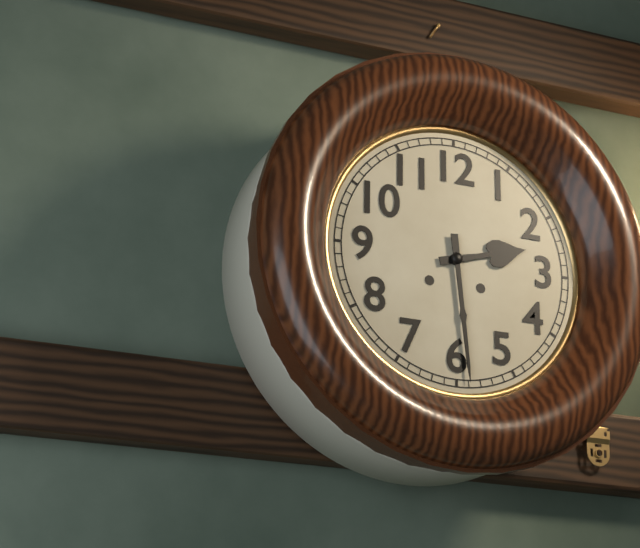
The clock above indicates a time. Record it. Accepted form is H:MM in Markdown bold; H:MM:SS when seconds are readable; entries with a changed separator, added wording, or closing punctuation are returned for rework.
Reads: **2:29**
